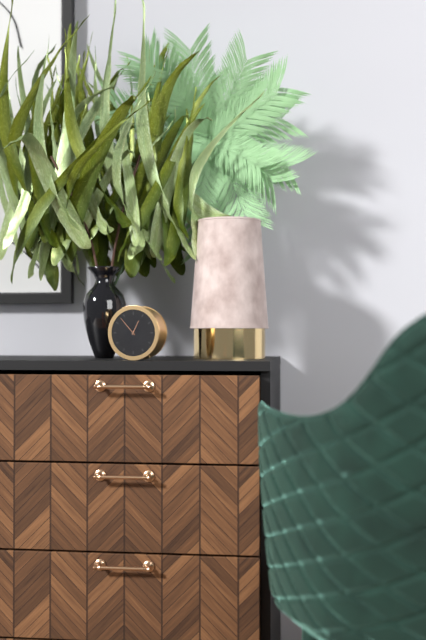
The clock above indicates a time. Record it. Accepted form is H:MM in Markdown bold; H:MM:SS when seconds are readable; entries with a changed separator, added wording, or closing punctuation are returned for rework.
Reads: **12:53**
